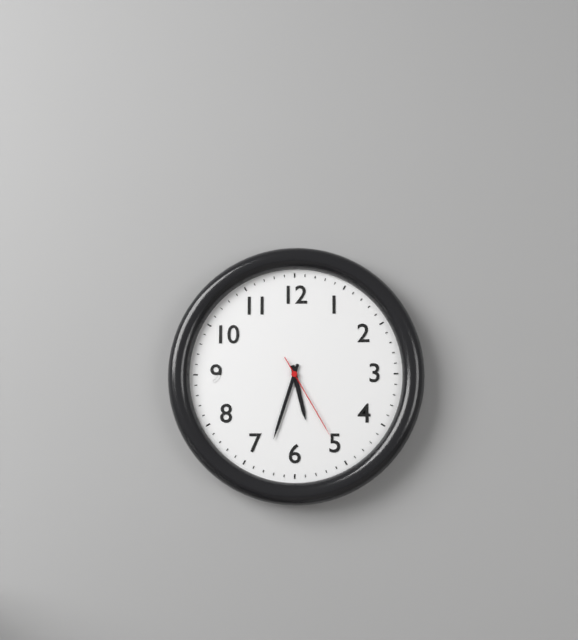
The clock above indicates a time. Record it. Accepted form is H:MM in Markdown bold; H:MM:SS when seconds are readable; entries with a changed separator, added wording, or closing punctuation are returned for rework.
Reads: **5:33:25**
